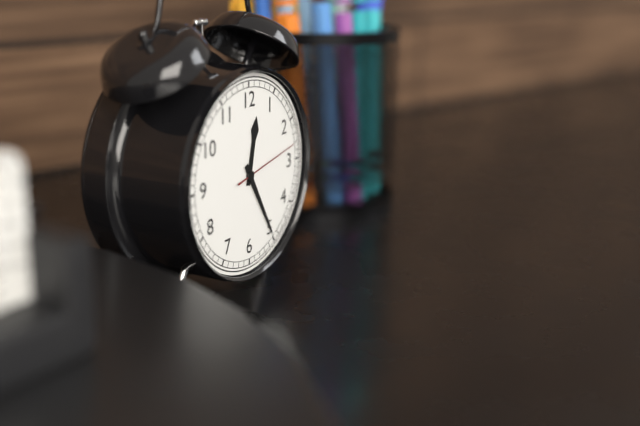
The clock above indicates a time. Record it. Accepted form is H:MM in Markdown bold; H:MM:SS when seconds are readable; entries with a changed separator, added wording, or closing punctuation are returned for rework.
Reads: **12:25:13**
